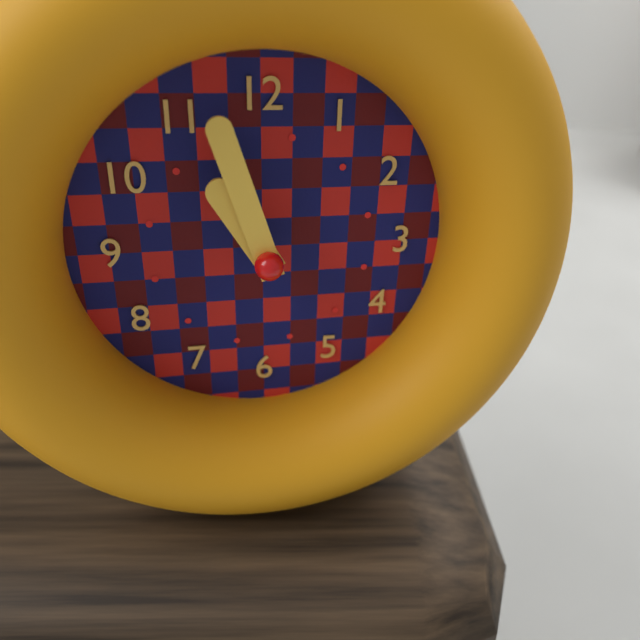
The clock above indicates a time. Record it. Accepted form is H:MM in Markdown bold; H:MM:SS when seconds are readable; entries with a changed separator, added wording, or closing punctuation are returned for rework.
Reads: **10:57**
